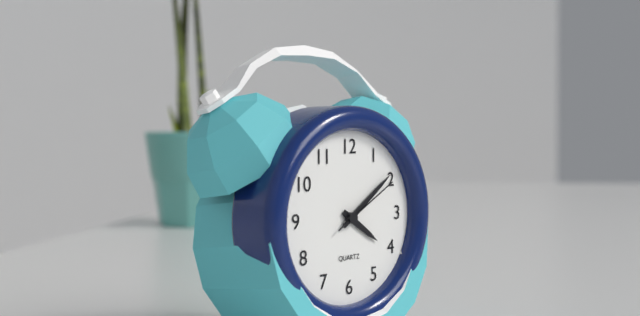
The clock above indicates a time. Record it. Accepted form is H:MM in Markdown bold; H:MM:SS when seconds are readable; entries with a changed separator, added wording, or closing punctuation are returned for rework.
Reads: **4:09:10**
